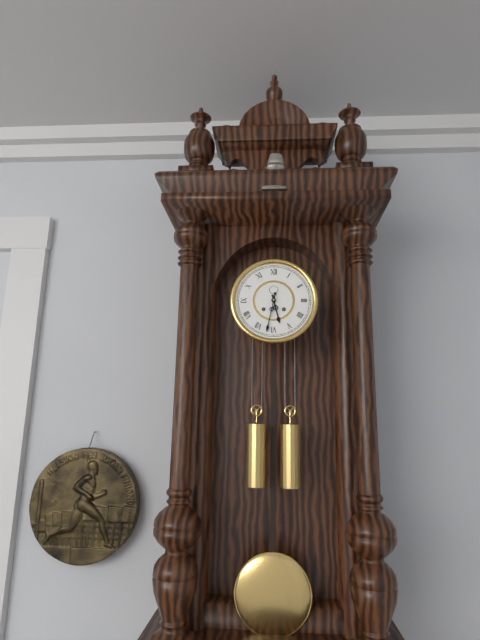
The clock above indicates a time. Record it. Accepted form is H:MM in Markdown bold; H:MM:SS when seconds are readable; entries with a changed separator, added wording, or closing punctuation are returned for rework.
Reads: **5:32**
